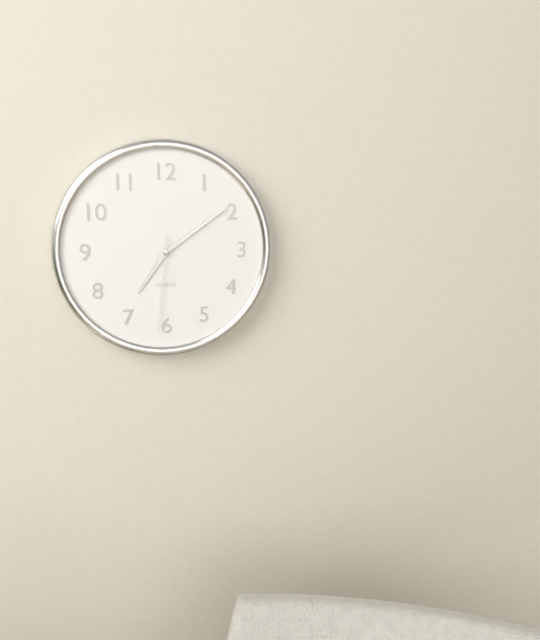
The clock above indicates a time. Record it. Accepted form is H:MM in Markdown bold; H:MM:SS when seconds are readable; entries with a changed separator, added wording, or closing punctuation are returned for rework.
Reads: **7:09:31**
